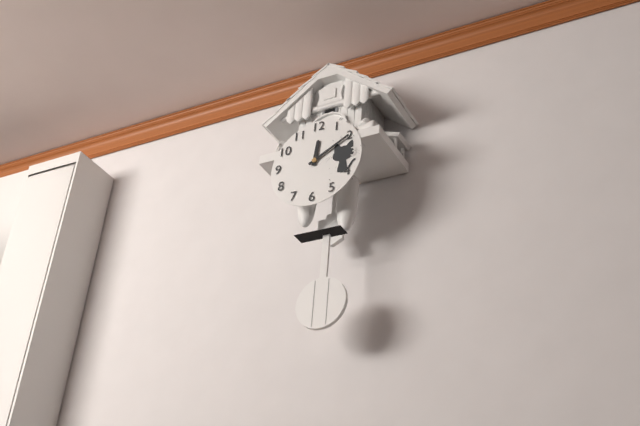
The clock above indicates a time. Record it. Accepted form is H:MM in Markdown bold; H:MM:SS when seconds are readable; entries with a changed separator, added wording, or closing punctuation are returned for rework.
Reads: **12:10**
